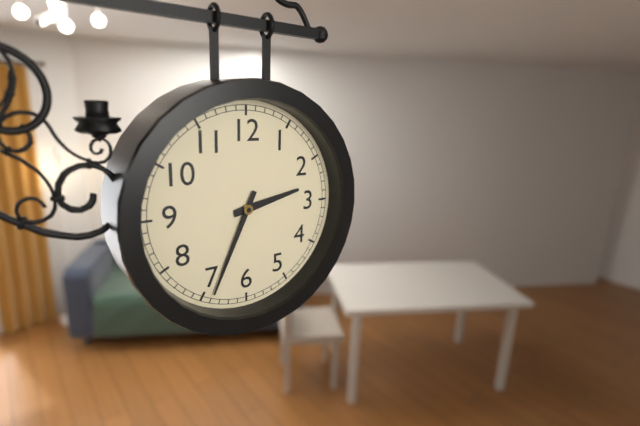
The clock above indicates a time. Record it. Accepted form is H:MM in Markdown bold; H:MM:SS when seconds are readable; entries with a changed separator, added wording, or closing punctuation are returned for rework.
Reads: **2:34**
